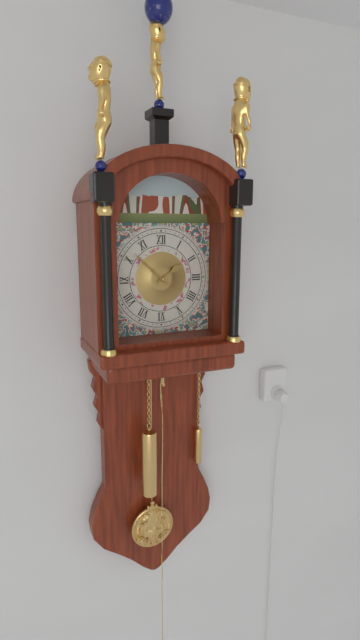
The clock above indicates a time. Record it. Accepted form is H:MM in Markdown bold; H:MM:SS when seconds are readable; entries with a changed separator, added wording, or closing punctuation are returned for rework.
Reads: **1:52**
